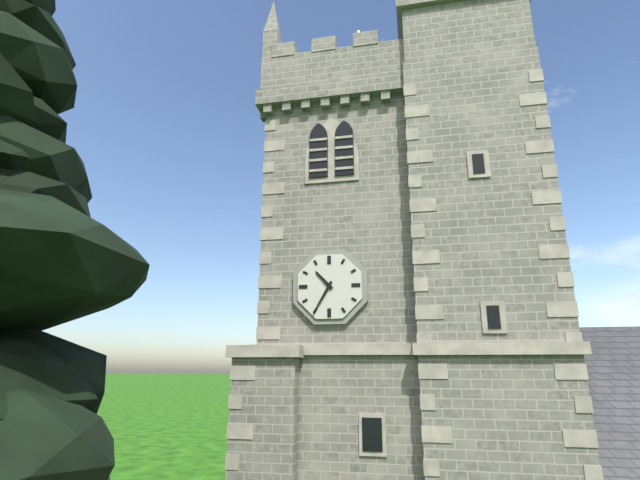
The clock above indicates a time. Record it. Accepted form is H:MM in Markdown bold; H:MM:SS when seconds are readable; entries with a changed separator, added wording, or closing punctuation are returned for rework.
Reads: **10:35**
